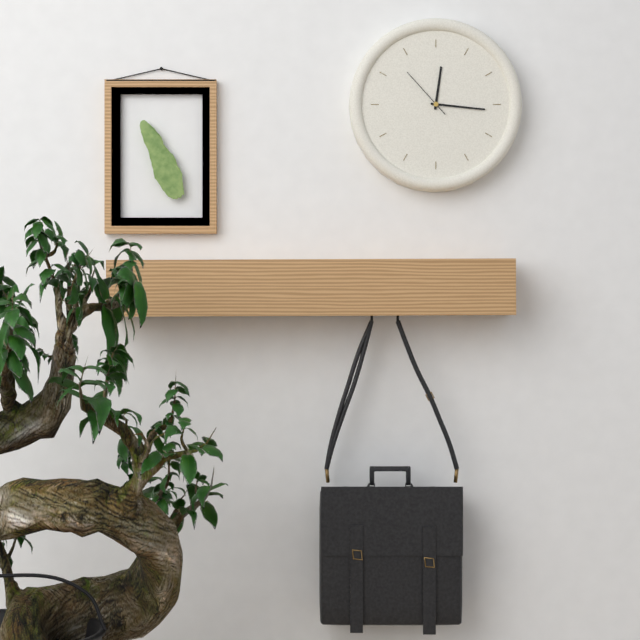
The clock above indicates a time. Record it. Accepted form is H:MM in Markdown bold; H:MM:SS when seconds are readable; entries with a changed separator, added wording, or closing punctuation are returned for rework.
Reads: **12:16:53**
